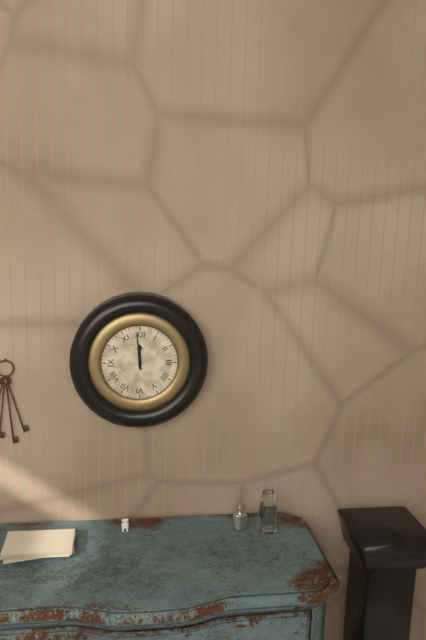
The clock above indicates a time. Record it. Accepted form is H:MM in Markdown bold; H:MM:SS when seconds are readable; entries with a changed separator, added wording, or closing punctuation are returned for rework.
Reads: **11:59**
